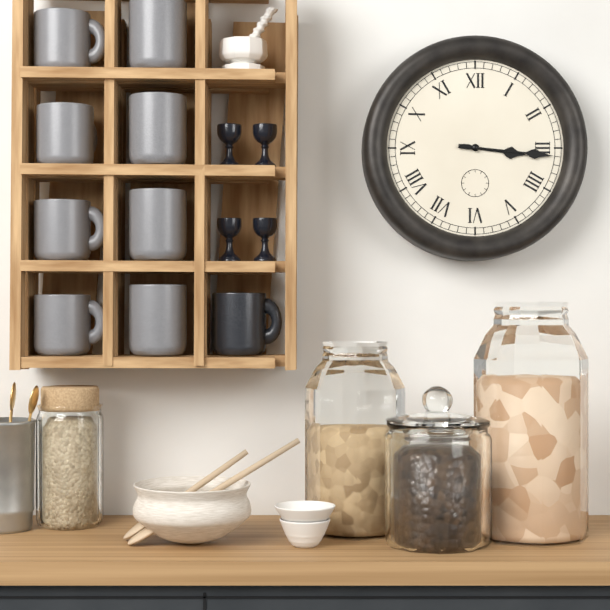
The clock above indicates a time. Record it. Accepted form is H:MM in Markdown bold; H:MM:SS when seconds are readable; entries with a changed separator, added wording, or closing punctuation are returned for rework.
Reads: **3:16**
